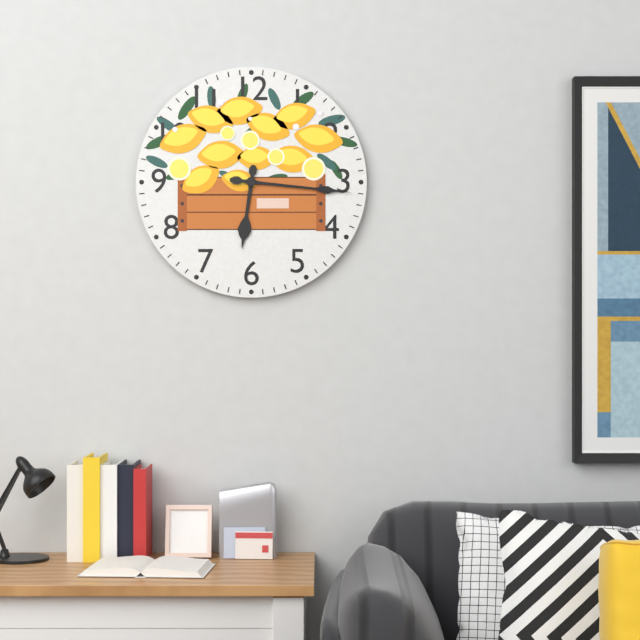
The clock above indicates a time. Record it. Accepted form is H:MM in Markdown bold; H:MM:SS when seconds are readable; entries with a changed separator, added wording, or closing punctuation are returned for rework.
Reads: **6:16**
